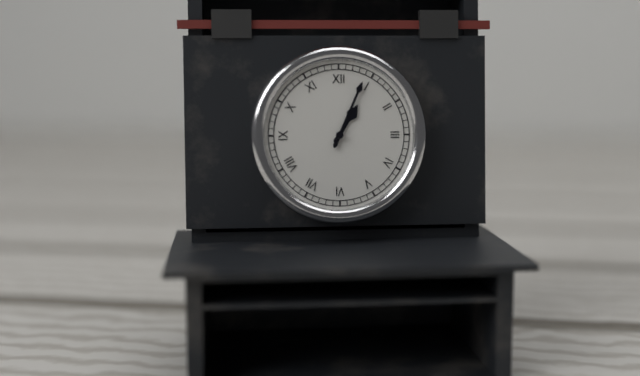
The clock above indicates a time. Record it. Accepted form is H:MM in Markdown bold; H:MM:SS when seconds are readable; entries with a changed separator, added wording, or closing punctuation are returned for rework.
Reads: **1:04**
